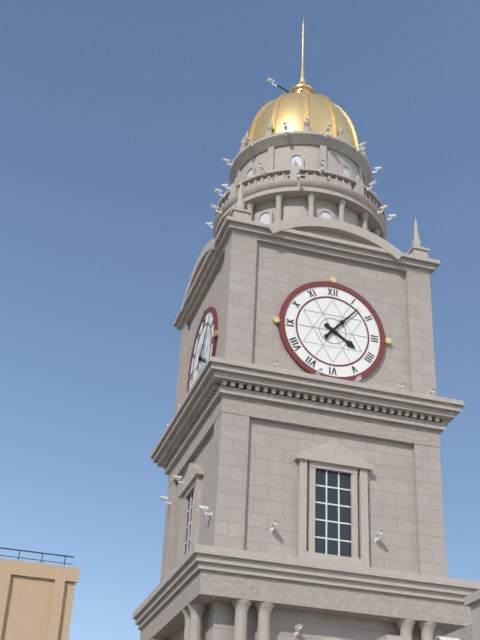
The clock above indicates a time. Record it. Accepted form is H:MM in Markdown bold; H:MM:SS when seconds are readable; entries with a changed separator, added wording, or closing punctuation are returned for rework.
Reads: **4:07**
